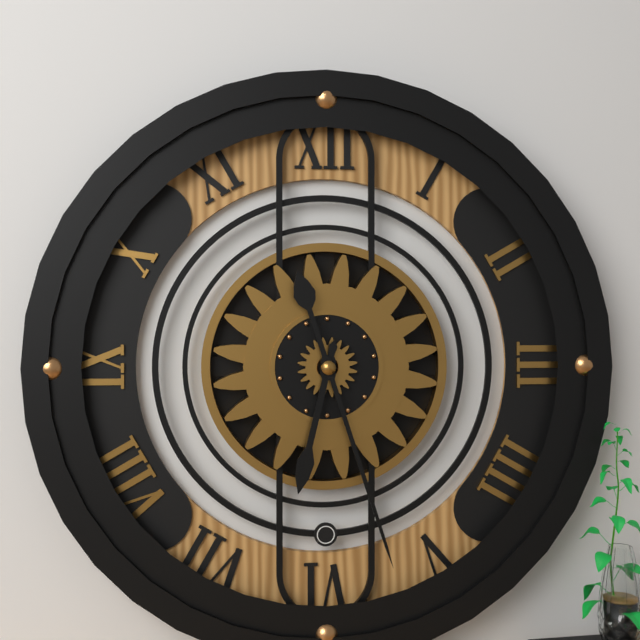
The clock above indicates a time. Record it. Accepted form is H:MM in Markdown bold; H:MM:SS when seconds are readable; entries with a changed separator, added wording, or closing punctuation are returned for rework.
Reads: **6:27**
